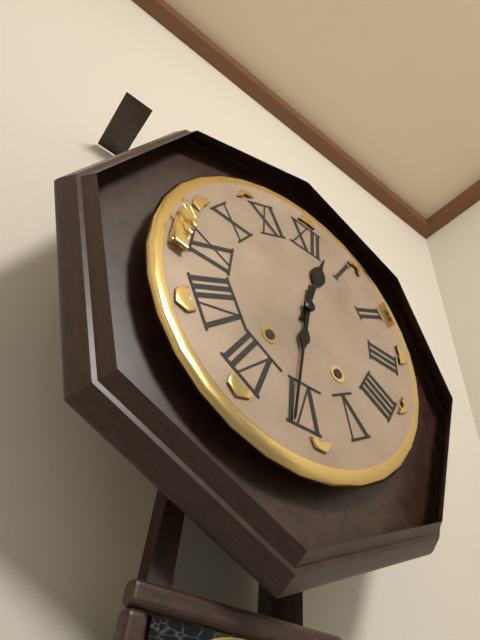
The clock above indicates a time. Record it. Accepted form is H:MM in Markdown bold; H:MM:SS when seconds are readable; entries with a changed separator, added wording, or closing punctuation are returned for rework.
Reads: **12:31**
